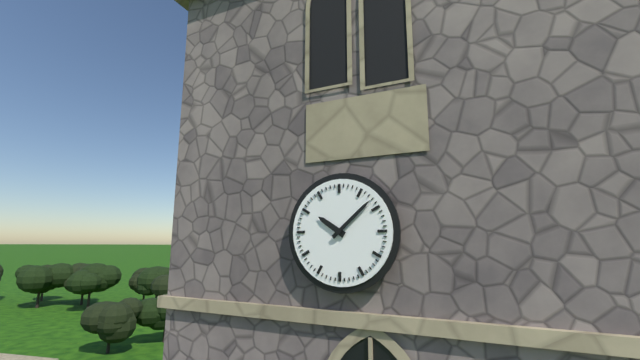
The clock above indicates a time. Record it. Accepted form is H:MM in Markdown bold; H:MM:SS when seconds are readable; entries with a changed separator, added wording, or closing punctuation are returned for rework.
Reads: **10:08**
